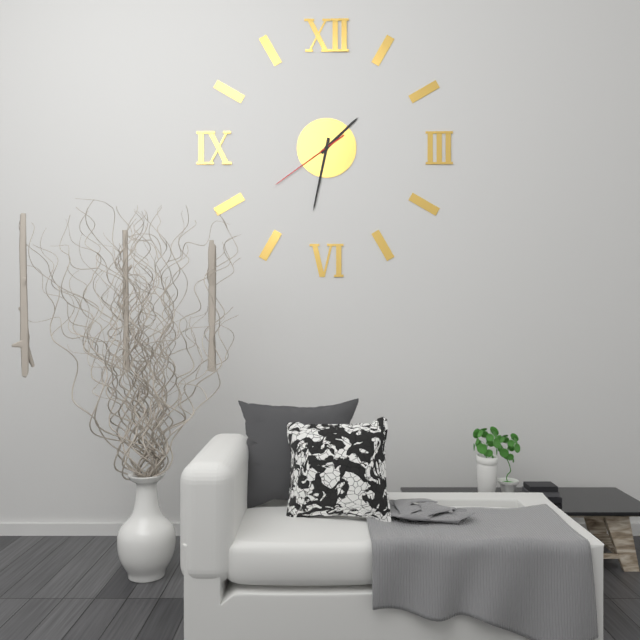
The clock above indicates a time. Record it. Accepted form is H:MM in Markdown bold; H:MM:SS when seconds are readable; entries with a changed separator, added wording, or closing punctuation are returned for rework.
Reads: **1:32:39**
